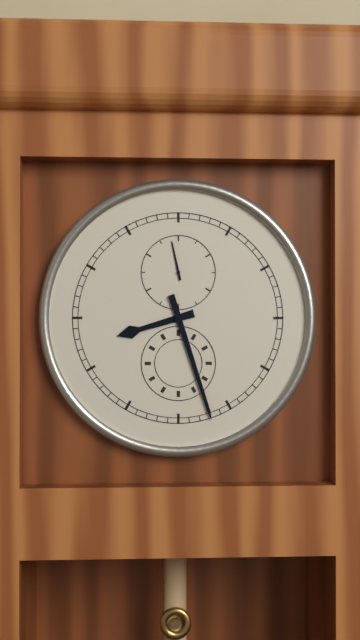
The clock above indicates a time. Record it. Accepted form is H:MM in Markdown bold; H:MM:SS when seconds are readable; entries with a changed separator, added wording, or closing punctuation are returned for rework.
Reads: **8:27**
